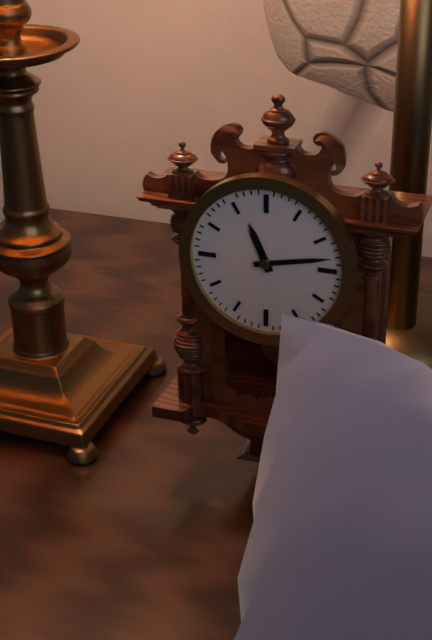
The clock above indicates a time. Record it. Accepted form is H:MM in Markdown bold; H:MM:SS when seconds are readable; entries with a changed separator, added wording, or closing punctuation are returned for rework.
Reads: **11:13**
